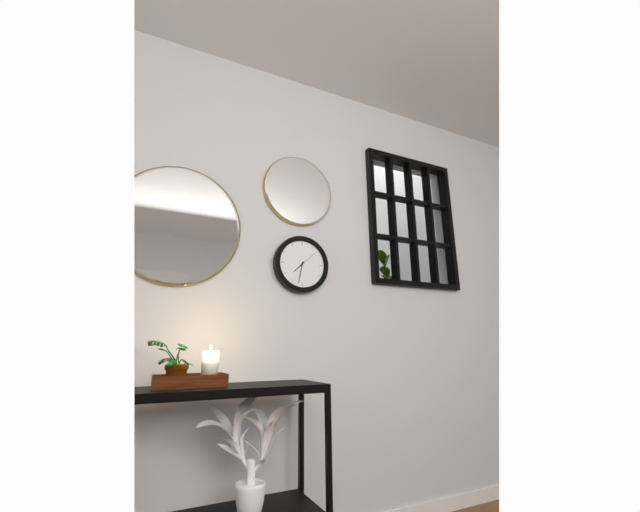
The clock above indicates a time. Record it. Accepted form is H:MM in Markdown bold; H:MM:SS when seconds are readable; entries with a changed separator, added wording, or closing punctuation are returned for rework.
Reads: **7:32**
